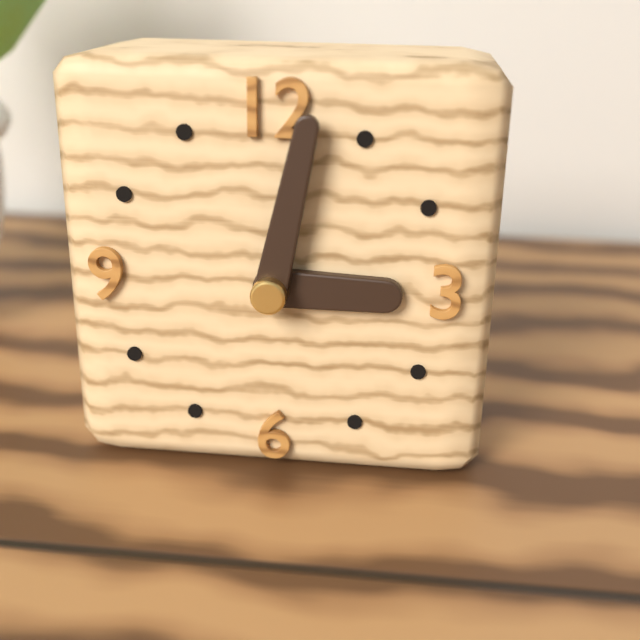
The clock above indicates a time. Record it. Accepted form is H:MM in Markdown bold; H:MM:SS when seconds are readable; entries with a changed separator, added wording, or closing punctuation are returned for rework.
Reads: **3:02**
